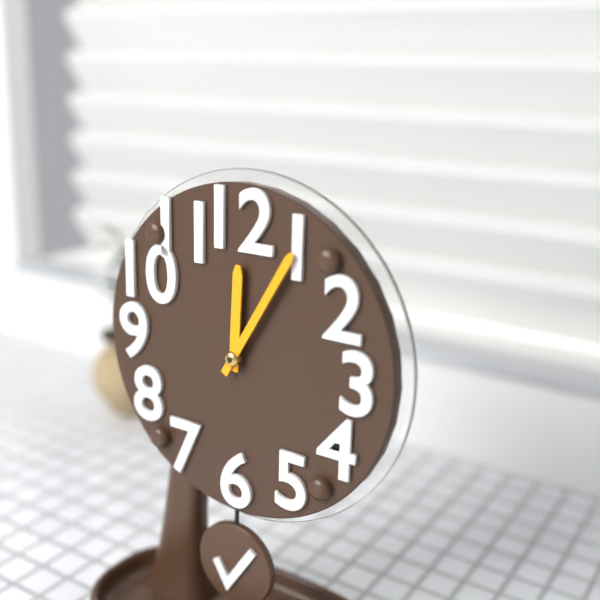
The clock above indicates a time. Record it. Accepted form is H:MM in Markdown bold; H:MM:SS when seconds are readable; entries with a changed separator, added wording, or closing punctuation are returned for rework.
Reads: **12:05**
